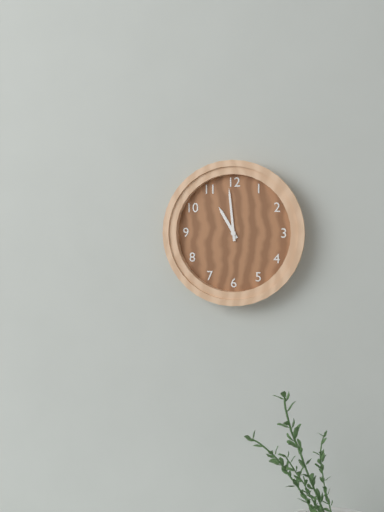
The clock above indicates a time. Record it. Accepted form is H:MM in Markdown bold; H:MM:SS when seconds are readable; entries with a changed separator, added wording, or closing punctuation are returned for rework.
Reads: **10:59**
